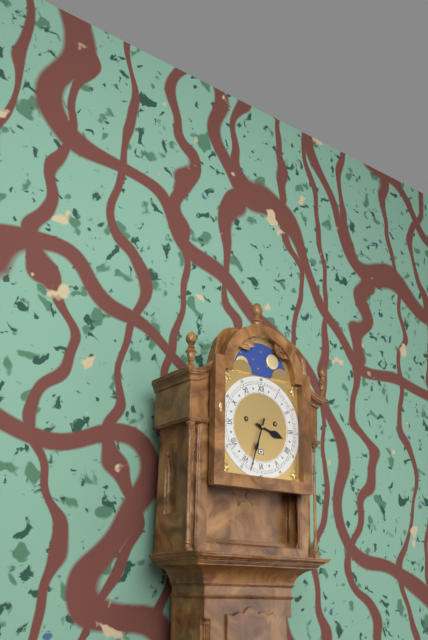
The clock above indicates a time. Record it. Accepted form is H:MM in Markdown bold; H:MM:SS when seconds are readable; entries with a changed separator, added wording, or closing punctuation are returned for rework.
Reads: **3:33**
